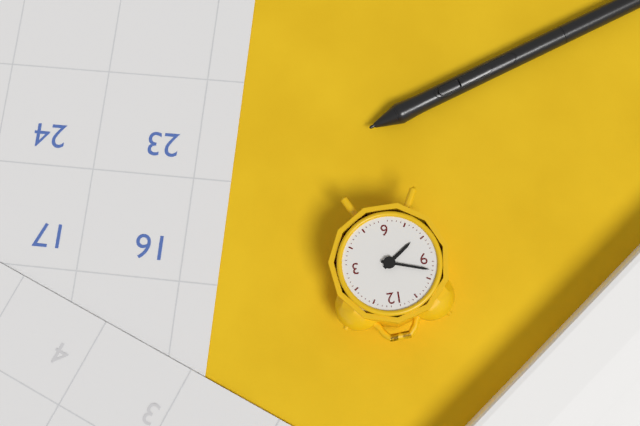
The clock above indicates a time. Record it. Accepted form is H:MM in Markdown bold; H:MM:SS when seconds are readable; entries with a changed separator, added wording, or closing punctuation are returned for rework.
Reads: **7:48**
